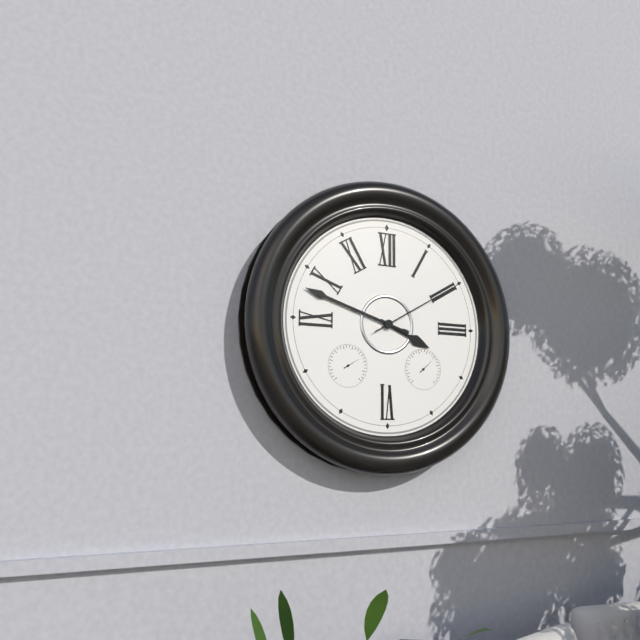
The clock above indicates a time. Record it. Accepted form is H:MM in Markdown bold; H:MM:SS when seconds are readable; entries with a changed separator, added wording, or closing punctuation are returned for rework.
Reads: **3:48:10**
